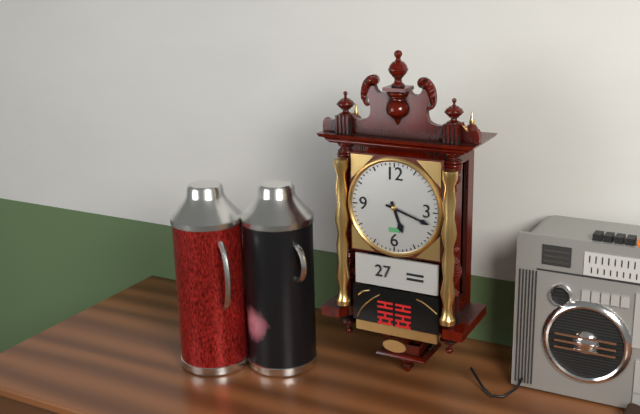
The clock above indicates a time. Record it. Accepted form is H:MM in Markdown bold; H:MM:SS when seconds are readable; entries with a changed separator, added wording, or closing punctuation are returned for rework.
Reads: **5:18**
